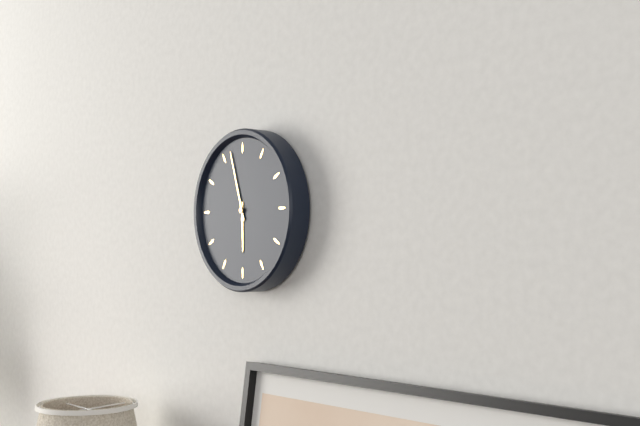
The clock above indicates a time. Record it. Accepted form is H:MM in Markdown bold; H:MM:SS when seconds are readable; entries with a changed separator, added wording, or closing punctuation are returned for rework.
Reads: **5:57**
